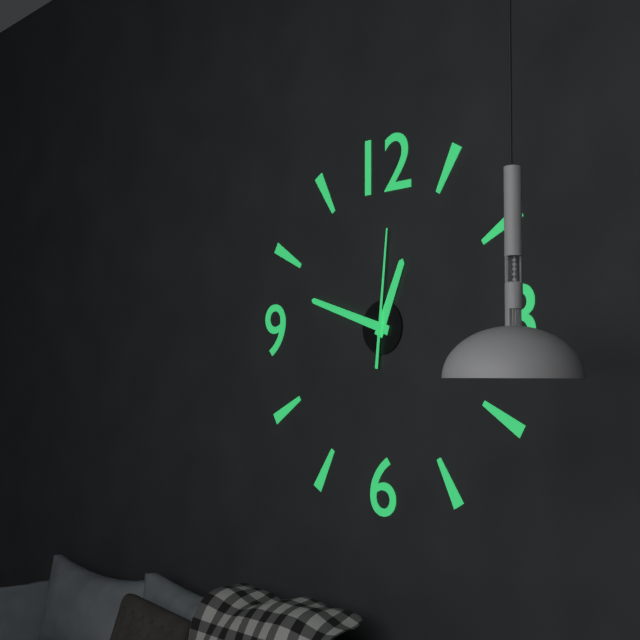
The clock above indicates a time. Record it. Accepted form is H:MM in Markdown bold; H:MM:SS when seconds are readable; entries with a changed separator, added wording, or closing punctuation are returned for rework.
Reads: **12:48:01**
